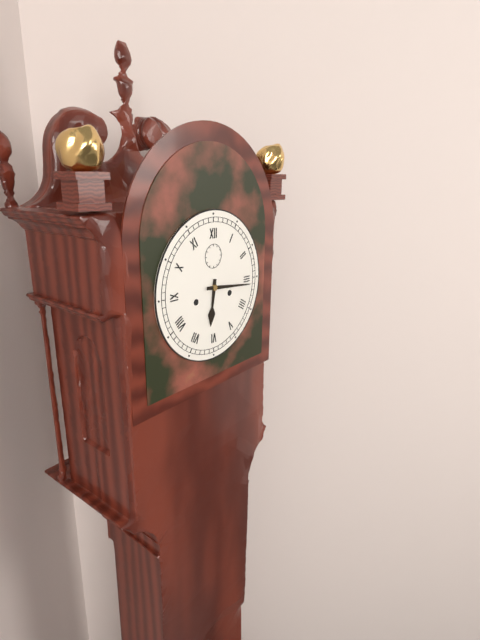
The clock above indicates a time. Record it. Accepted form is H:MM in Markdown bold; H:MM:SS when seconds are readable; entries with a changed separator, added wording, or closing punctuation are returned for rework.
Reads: **6:16**
